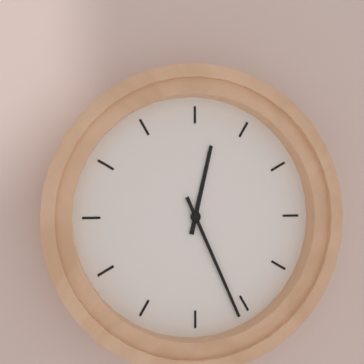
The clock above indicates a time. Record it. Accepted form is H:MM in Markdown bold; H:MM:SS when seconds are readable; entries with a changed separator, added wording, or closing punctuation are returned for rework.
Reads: **12:26**
